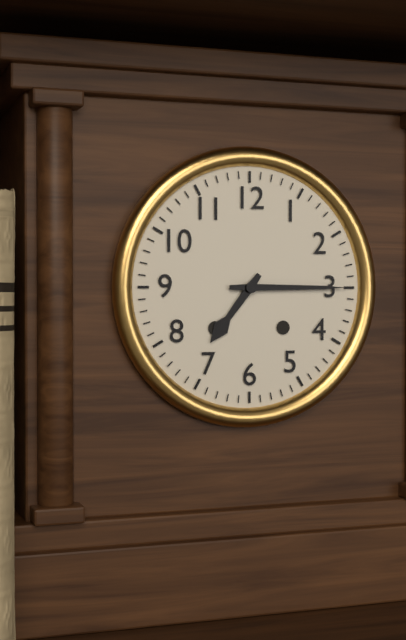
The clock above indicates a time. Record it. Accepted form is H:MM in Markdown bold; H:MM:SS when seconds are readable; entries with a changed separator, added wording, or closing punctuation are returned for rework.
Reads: **7:15**
